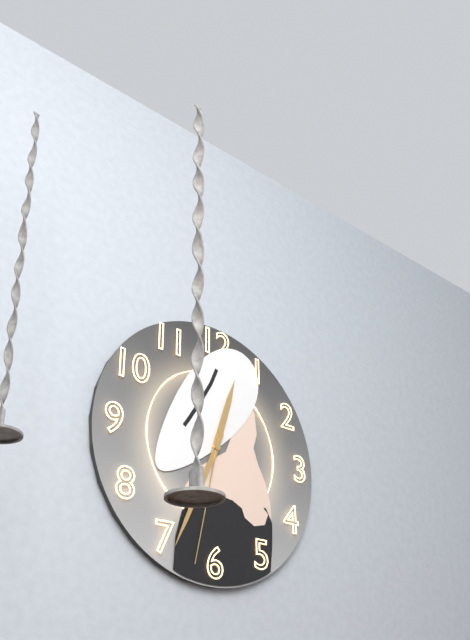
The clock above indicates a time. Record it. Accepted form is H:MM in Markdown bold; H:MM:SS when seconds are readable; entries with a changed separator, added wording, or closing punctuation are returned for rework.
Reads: **12:34:32**
